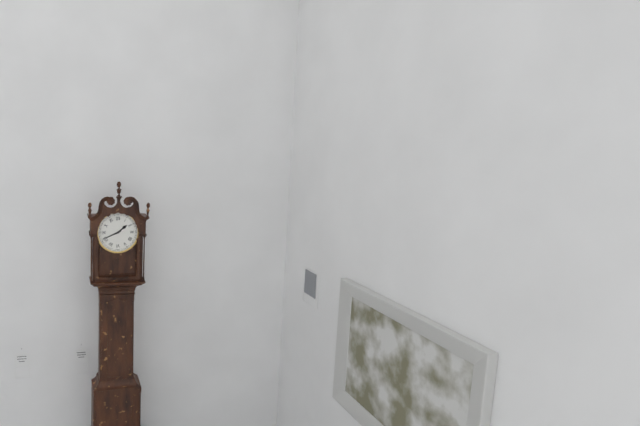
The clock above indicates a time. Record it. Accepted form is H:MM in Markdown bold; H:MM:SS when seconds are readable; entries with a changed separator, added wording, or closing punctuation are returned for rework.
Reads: **1:41**
